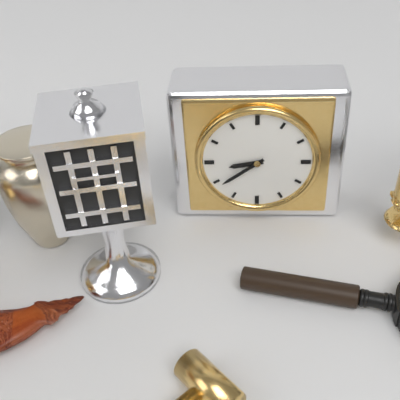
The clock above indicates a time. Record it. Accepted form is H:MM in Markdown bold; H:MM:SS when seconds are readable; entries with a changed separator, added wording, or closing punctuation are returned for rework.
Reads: **8:39**
